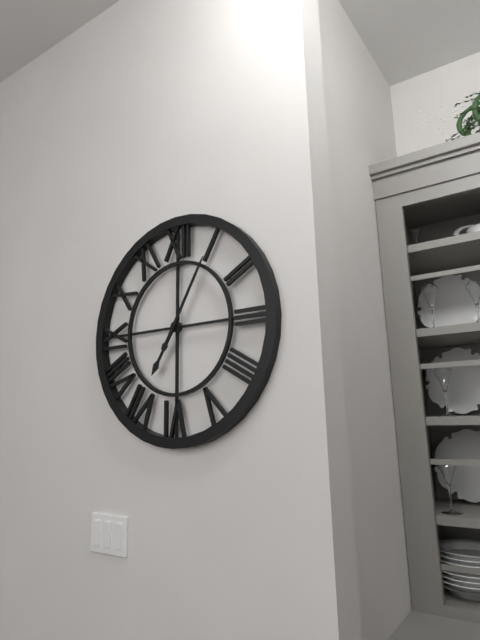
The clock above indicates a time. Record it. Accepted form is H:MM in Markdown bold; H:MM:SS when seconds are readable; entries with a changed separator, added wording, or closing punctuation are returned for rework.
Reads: **7:05**
